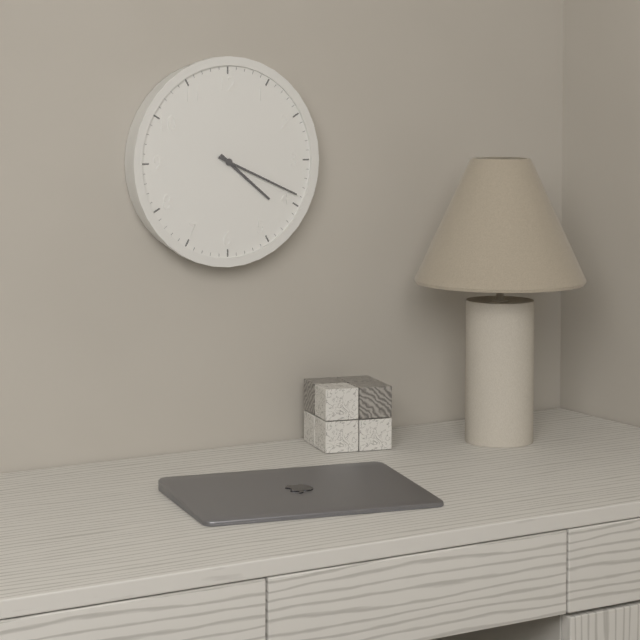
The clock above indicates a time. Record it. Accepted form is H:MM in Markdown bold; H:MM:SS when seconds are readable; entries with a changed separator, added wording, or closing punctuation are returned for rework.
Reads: **4:19**
